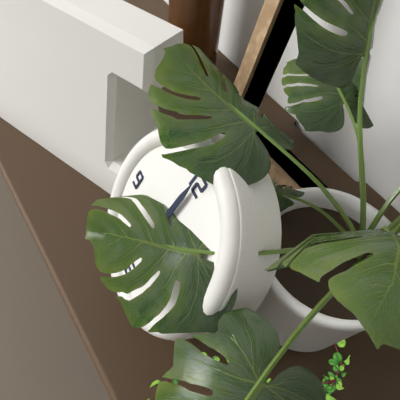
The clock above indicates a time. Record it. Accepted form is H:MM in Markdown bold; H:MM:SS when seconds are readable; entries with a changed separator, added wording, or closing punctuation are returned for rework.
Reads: **6:00**
